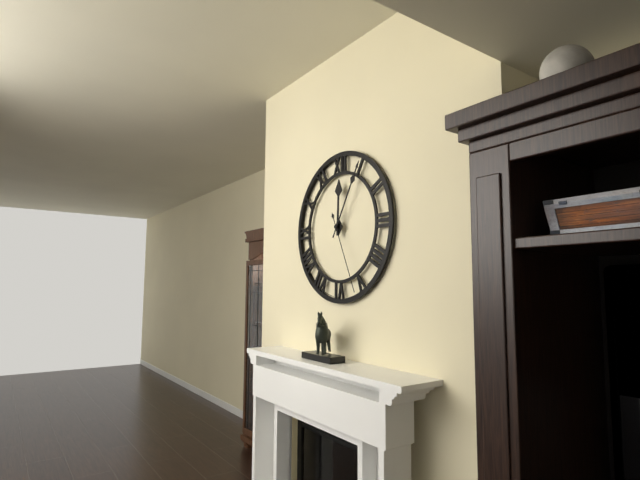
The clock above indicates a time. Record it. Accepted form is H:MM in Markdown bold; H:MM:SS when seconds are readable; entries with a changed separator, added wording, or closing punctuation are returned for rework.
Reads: **12:05:26**
